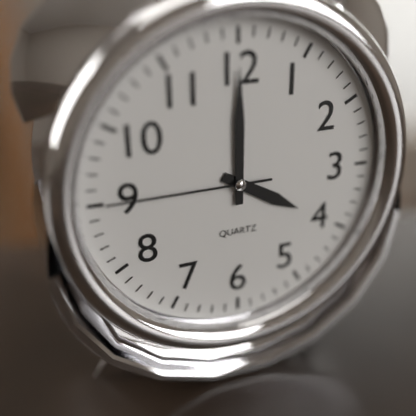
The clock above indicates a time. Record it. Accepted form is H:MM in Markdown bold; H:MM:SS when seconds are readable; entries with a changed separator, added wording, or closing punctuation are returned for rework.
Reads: **4:00:45**
